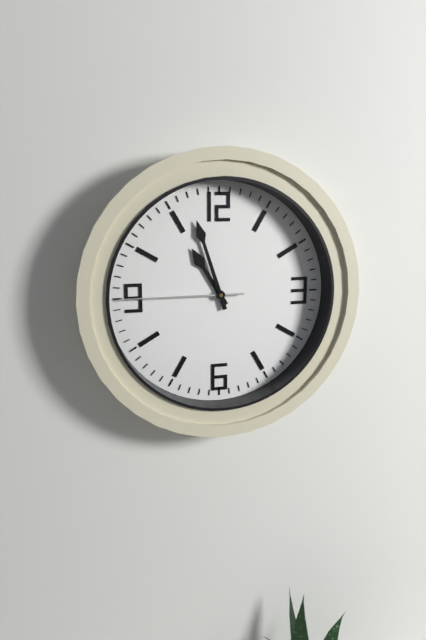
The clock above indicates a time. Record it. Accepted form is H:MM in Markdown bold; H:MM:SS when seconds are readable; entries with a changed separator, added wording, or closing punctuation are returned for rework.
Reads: **10:57:45**
